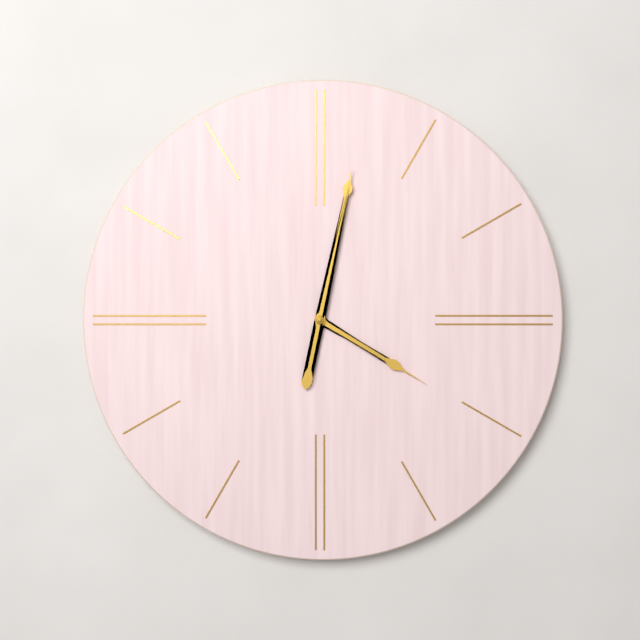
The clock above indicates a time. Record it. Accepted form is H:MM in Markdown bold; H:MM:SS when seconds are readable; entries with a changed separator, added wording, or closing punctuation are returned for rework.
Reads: **4:02**
